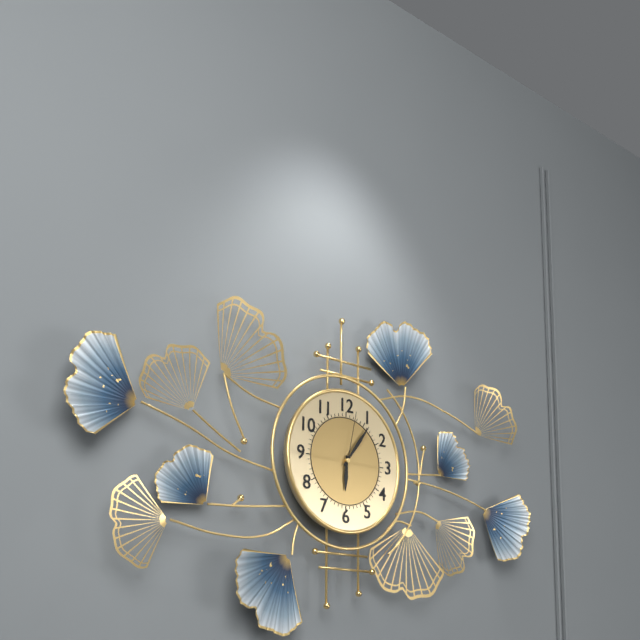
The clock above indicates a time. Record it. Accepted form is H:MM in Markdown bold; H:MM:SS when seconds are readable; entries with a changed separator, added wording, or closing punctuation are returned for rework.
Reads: **6:06:02**
